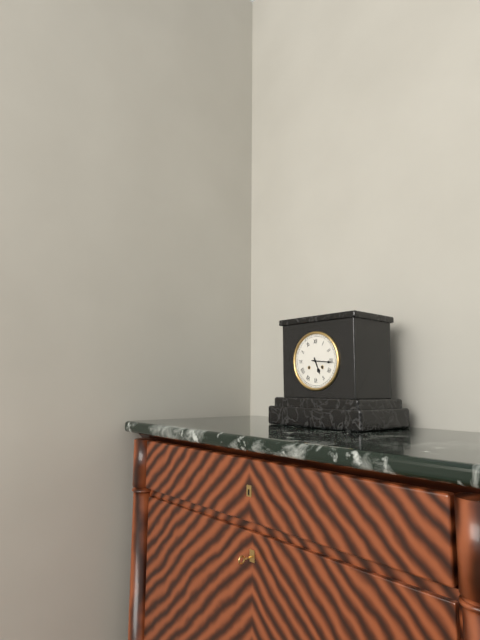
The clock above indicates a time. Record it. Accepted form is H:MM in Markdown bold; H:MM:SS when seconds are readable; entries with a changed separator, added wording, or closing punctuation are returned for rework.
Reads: **5:16**
